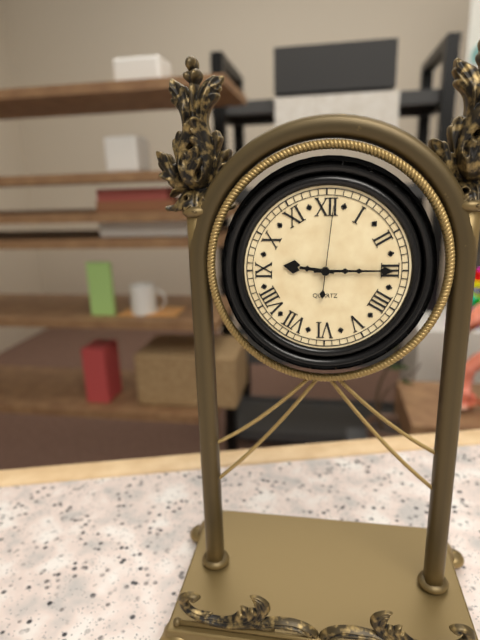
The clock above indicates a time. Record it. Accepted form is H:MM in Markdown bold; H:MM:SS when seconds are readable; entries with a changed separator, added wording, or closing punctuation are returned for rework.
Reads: **9:15:01**
